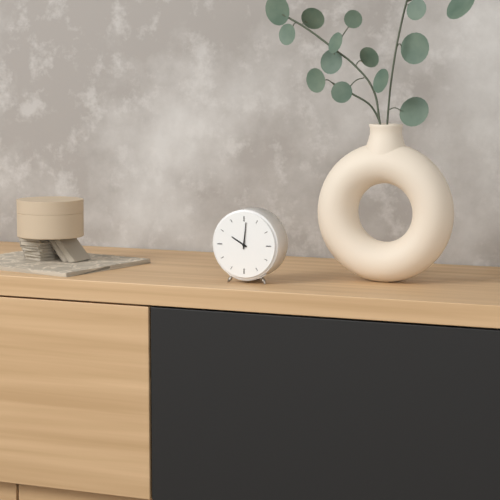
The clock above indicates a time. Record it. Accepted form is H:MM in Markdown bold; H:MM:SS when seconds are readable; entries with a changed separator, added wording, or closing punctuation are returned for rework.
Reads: **10:01**
